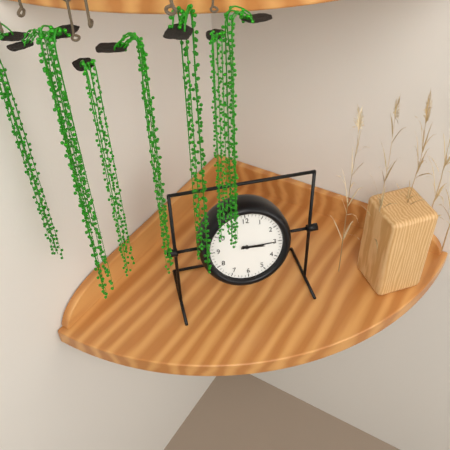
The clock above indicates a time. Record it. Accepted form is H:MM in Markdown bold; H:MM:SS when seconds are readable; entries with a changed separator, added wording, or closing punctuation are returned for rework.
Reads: **3:15**
